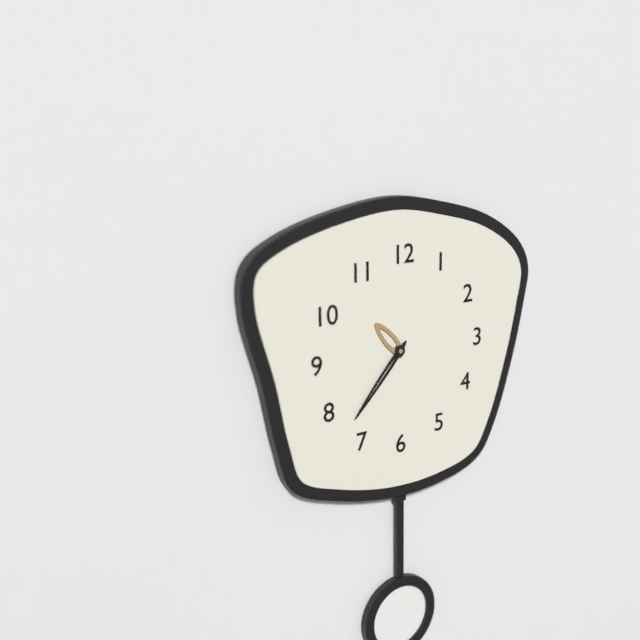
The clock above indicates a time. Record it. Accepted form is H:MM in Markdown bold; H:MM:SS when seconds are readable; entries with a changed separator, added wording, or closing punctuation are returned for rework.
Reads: **10:37**
